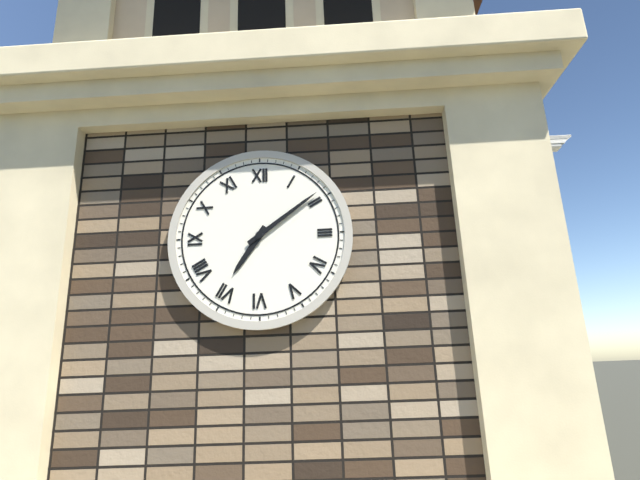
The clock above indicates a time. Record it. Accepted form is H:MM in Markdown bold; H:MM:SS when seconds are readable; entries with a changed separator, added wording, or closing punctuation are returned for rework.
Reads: **7:09**
